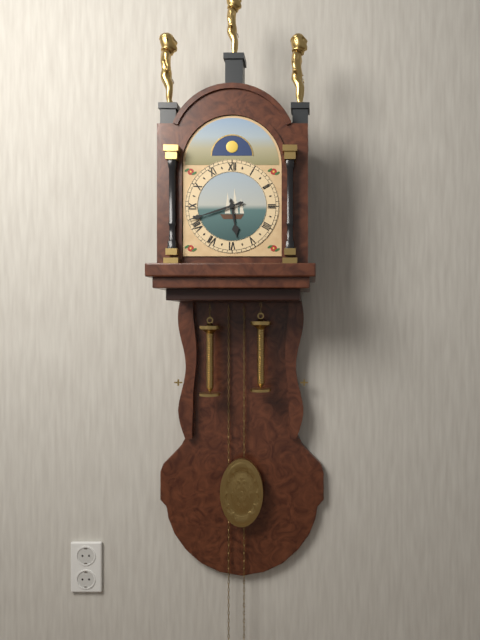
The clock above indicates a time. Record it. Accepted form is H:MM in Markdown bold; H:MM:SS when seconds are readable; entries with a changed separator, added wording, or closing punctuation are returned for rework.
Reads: **5:42**
